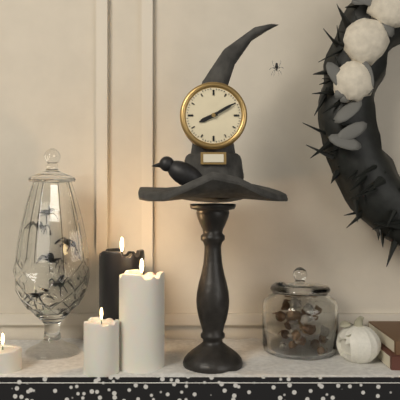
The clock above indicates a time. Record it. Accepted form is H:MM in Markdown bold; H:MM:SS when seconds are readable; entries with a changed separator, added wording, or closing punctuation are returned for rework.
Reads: **8:10**
